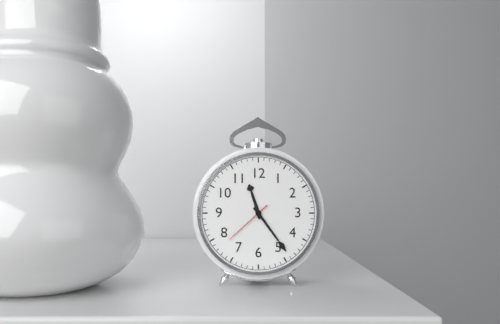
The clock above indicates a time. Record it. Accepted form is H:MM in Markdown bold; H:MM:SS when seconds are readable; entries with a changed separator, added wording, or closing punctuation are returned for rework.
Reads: **11:24**
